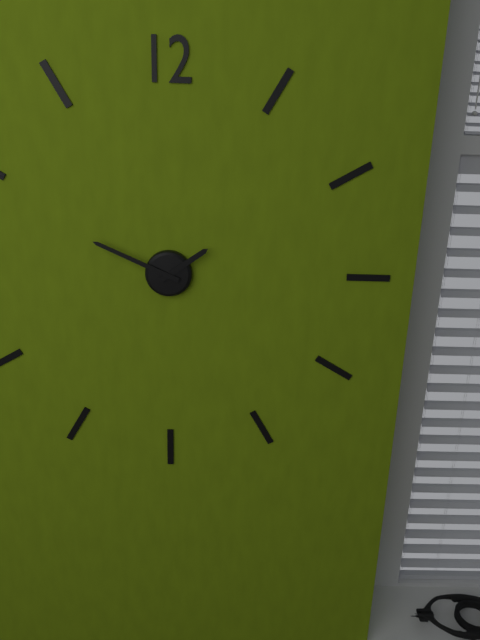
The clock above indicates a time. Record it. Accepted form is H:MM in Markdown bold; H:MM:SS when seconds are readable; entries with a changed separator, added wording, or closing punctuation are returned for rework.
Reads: **1:49**
